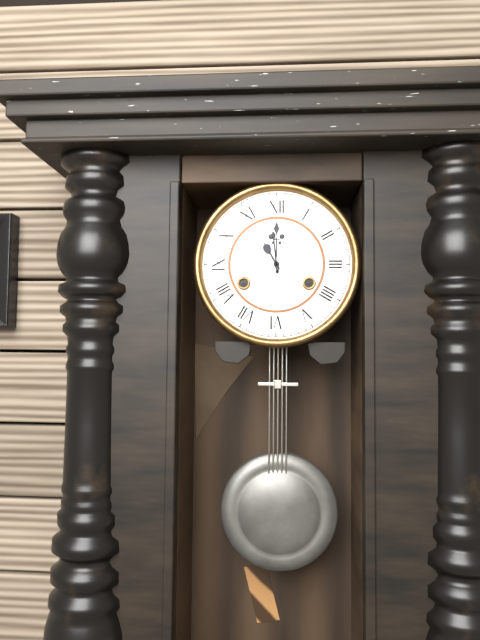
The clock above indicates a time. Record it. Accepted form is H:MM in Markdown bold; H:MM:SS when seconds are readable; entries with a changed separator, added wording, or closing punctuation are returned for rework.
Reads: **10:59**
